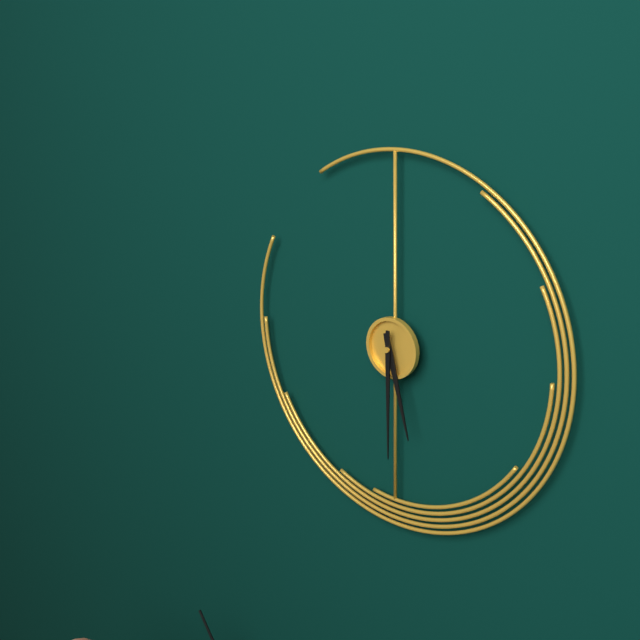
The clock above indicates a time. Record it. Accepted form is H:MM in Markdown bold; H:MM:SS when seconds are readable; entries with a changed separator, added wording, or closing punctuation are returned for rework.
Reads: **5:30**
